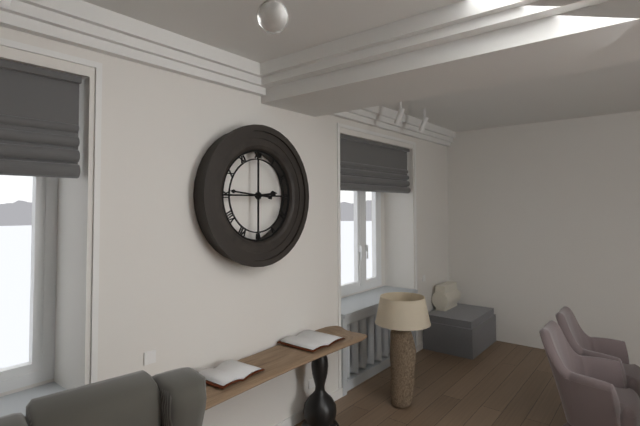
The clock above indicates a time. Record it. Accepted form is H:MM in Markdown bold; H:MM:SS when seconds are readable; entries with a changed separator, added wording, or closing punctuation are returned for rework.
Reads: **2:46**
